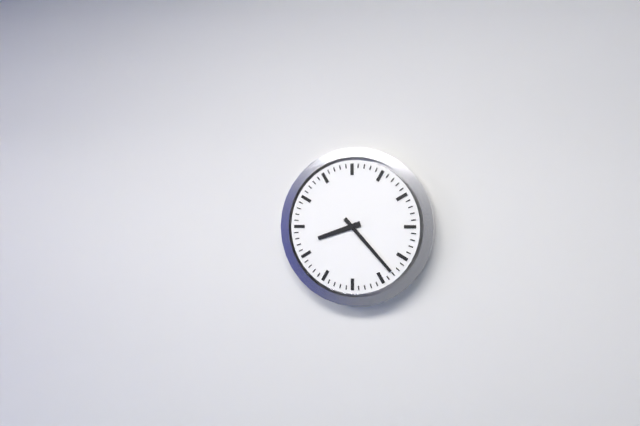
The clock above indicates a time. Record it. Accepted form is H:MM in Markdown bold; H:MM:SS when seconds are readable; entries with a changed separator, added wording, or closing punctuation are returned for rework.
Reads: **8:23**
